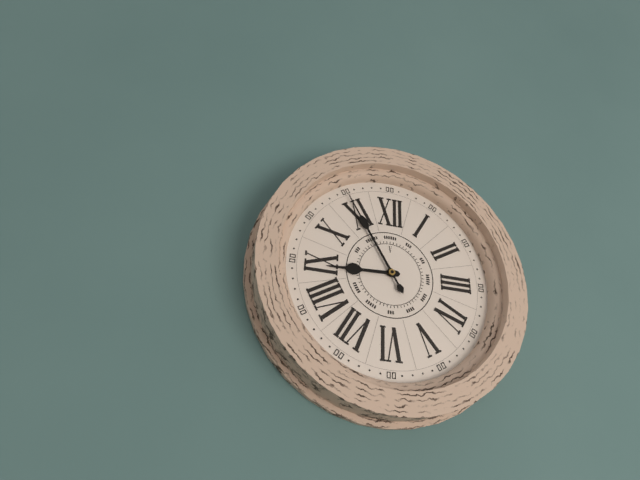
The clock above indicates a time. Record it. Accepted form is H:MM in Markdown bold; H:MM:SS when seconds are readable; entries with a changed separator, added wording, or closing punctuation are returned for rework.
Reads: **8:55**
